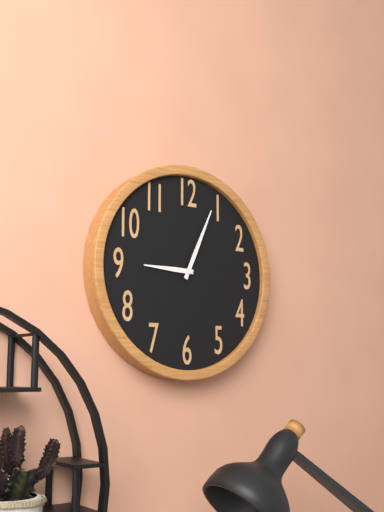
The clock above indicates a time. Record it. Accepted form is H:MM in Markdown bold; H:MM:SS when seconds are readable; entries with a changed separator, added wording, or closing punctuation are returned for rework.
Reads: **9:04**
